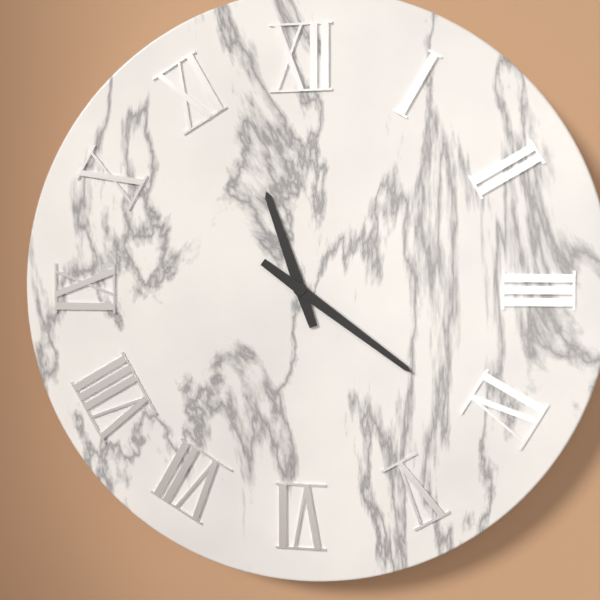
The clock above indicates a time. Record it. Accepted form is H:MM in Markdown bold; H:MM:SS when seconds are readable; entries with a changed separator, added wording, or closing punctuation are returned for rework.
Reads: **11:21**
